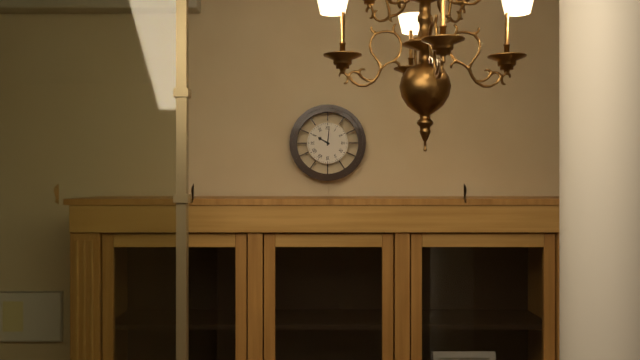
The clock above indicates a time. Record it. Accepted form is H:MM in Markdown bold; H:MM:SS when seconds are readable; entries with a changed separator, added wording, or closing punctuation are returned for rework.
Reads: **10:01**
